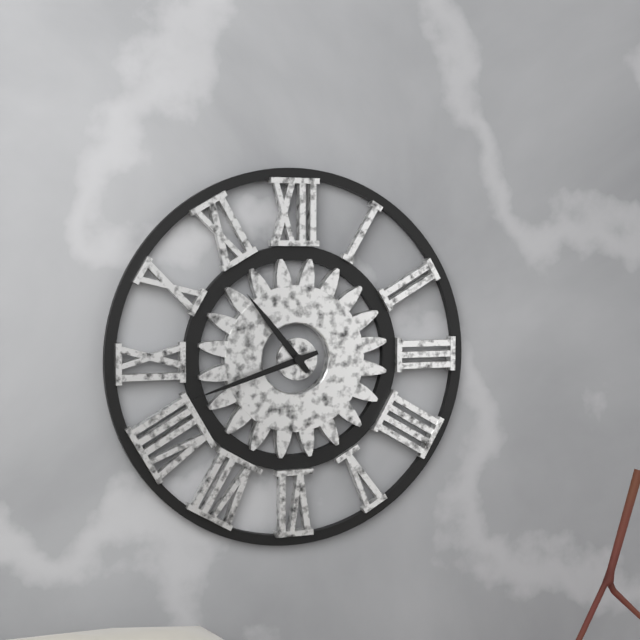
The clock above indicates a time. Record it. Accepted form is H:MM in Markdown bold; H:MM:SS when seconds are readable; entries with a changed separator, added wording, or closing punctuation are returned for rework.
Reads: **10:42**
